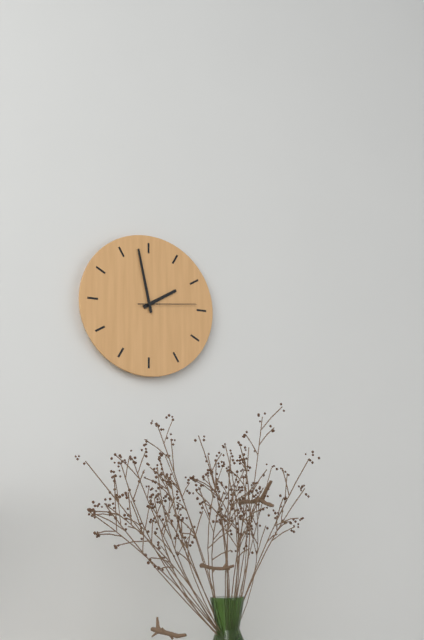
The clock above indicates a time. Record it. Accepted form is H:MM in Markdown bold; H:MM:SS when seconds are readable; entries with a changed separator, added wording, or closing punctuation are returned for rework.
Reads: **1:58:14**
